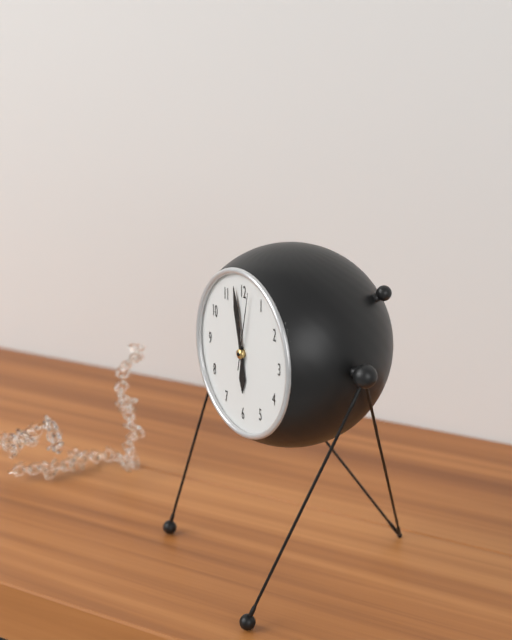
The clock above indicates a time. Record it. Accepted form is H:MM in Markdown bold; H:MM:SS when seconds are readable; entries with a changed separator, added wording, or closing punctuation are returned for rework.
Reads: **5:58:02**
